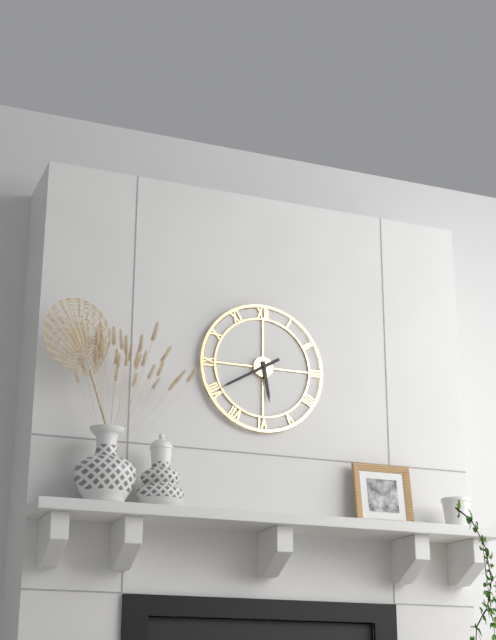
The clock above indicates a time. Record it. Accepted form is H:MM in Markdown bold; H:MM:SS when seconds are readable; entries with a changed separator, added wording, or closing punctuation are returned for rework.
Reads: **5:40**
